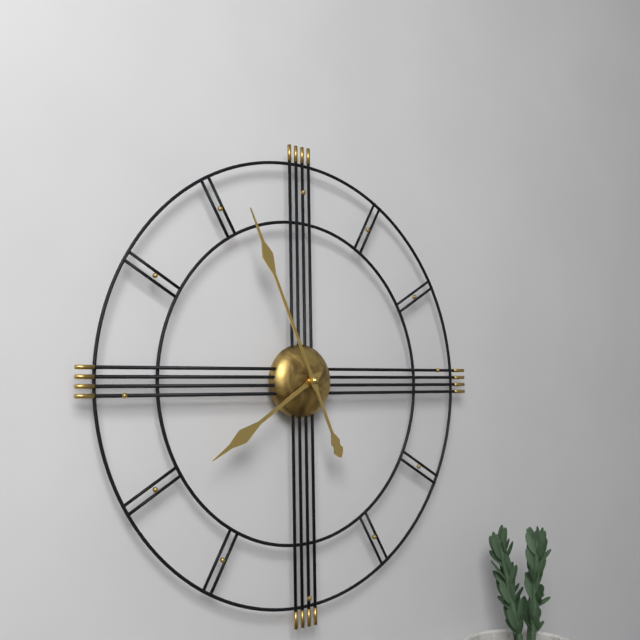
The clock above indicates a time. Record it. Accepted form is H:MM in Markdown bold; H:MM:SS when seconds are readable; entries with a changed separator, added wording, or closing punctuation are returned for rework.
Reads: **7:56**
